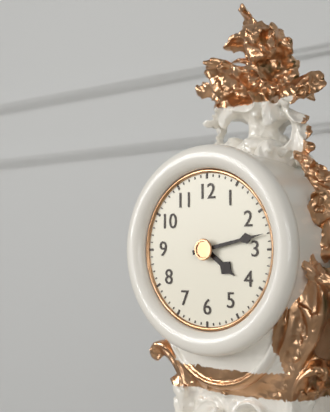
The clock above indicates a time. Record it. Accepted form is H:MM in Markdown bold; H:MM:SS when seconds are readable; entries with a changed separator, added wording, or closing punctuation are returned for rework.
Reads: **4:13**
